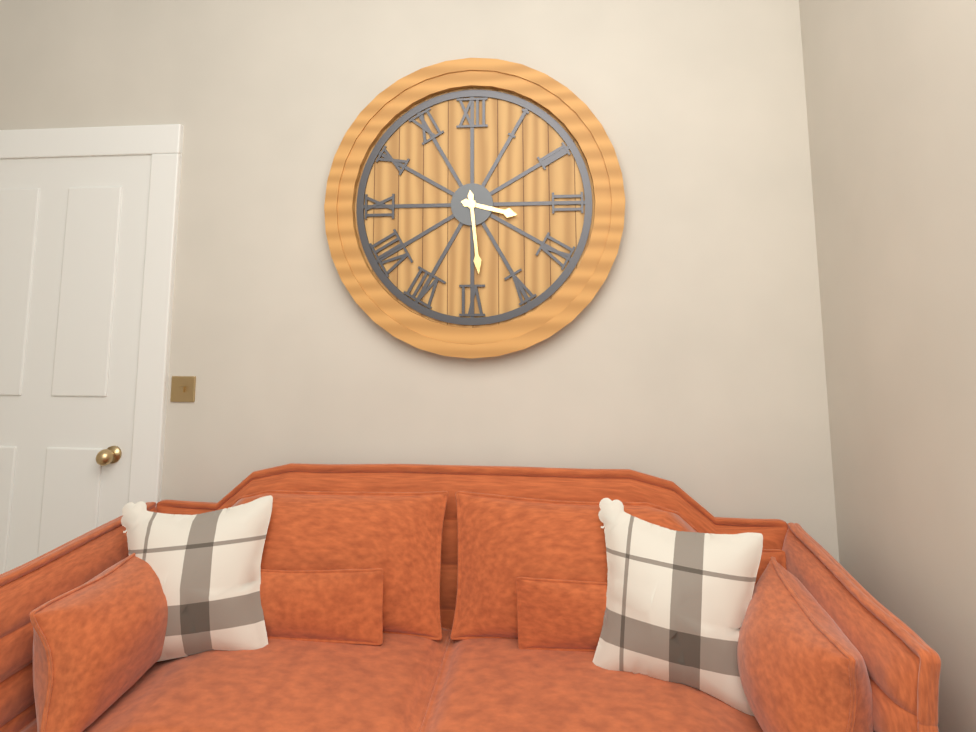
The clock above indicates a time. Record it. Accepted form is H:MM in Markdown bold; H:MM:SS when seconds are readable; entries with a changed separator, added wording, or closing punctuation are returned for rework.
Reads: **3:29**
